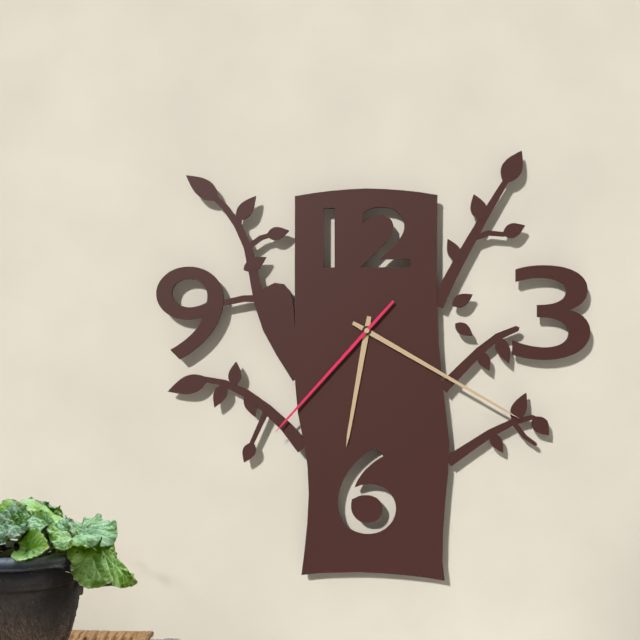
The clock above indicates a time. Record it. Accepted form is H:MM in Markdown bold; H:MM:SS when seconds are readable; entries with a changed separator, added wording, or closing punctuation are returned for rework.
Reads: **6:20:37**
